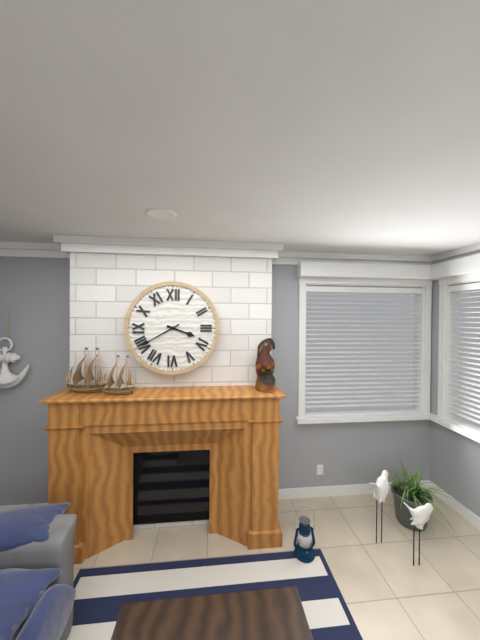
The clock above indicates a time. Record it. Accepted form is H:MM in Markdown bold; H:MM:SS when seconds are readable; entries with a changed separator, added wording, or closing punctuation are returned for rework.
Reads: **3:40**
